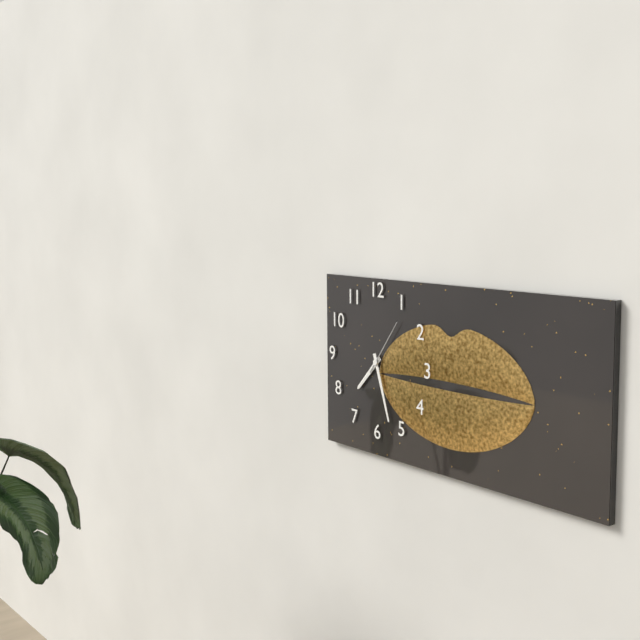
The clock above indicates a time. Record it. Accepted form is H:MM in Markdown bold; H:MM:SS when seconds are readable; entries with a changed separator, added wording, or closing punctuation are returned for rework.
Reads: **7:27:06**
